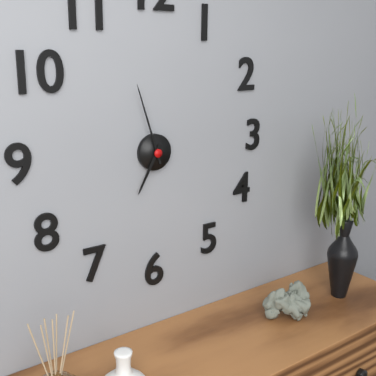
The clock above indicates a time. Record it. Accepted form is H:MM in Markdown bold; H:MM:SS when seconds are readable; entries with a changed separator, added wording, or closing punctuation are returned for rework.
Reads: **6:57**
